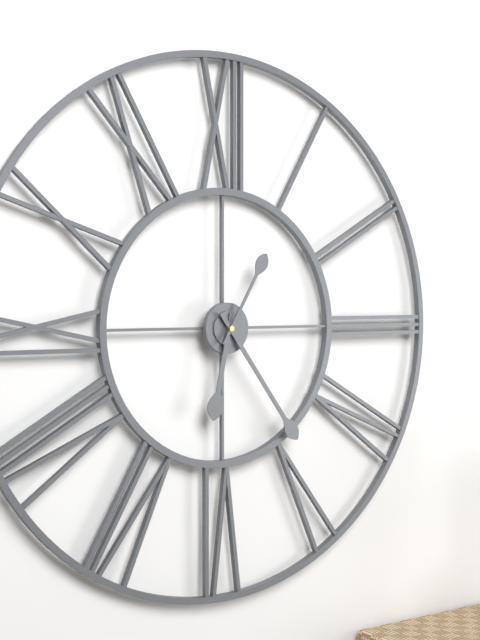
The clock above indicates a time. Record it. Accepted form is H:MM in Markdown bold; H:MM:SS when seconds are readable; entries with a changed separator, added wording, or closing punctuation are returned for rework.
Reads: **6:24:05**
